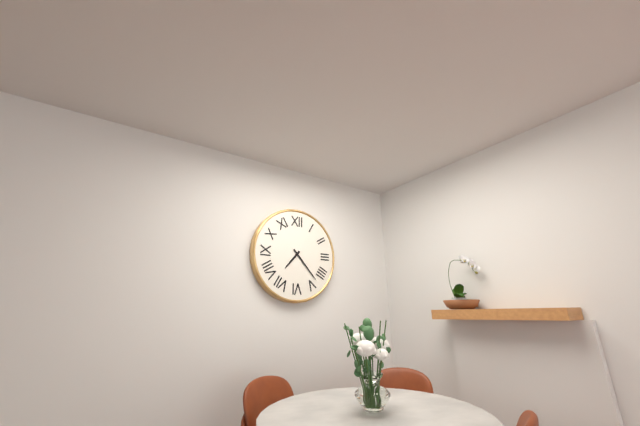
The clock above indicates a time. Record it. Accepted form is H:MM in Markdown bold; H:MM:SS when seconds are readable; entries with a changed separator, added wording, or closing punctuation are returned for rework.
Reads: **7:23**
